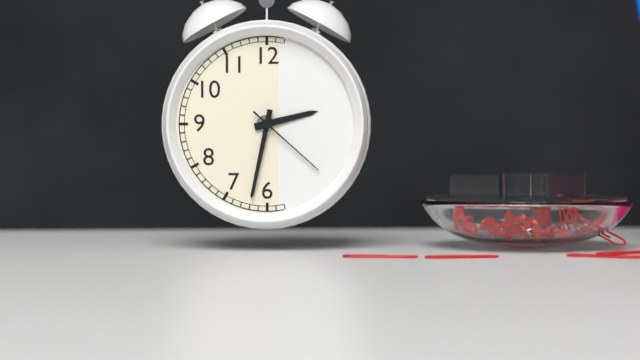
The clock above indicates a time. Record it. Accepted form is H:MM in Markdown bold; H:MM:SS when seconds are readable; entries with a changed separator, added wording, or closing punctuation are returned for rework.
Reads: **2:32:22**
